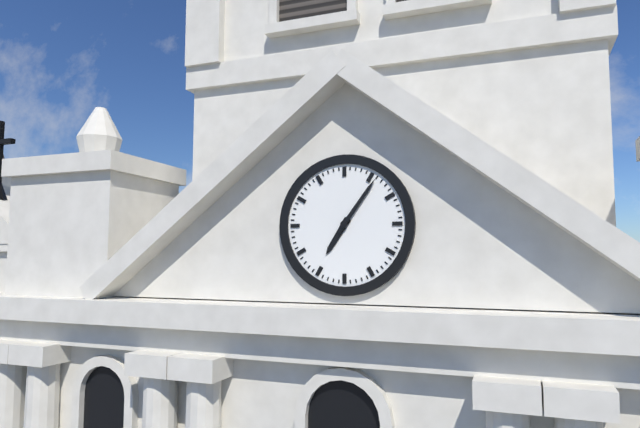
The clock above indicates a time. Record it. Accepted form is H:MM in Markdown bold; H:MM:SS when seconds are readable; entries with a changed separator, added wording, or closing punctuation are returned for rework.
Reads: **7:06**
